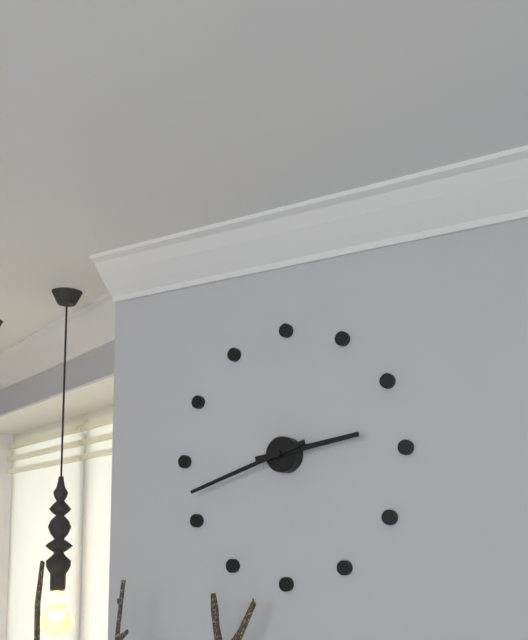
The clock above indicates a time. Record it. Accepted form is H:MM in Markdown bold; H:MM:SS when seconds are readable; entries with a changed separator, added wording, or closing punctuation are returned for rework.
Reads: **2:42**
